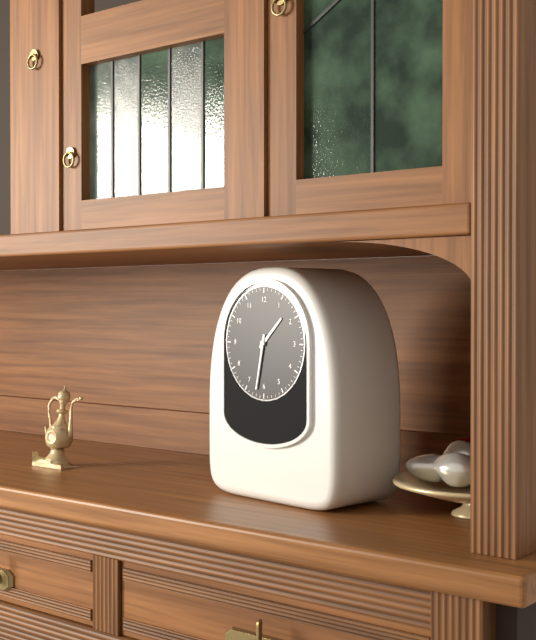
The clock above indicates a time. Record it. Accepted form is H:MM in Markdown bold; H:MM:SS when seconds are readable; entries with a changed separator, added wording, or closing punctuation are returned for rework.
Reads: **1:32**
